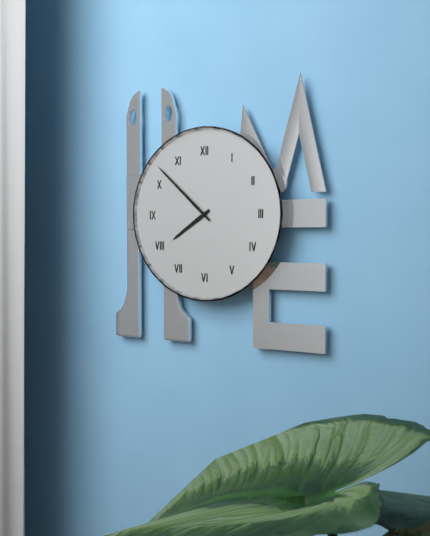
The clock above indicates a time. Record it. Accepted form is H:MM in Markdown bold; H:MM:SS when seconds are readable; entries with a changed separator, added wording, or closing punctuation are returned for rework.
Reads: **7:52**
